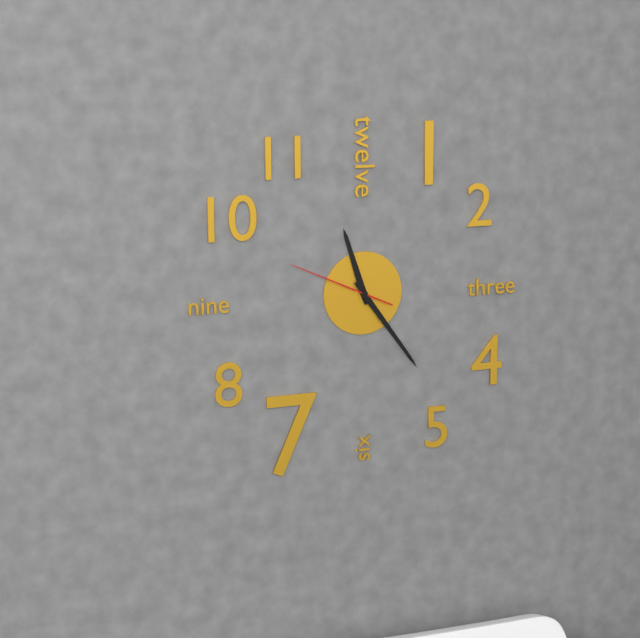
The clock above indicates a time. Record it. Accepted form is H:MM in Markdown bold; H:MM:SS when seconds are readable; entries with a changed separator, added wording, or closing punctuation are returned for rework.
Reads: **11:24:49**
